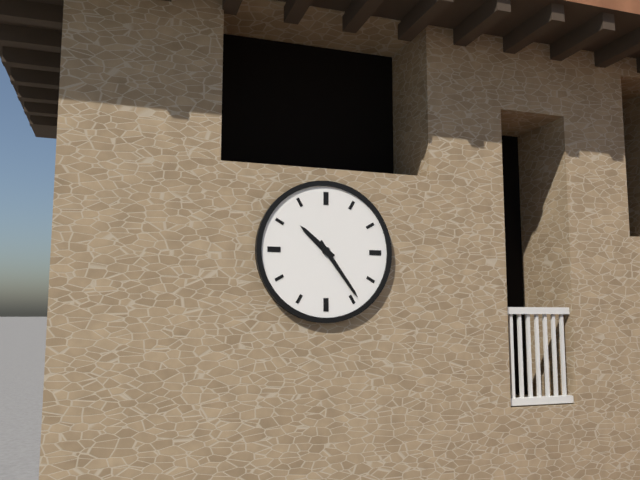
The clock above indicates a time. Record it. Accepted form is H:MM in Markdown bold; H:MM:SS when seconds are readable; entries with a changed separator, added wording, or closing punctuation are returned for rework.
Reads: **10:24**
